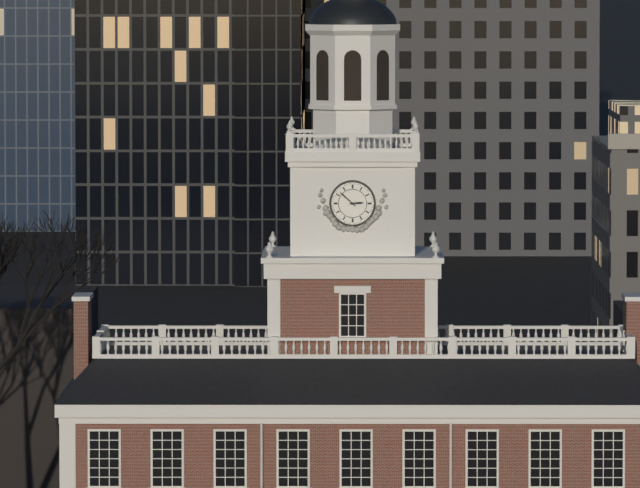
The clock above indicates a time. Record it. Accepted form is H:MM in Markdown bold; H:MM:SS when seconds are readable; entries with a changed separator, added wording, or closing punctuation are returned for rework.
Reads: **2:52**
